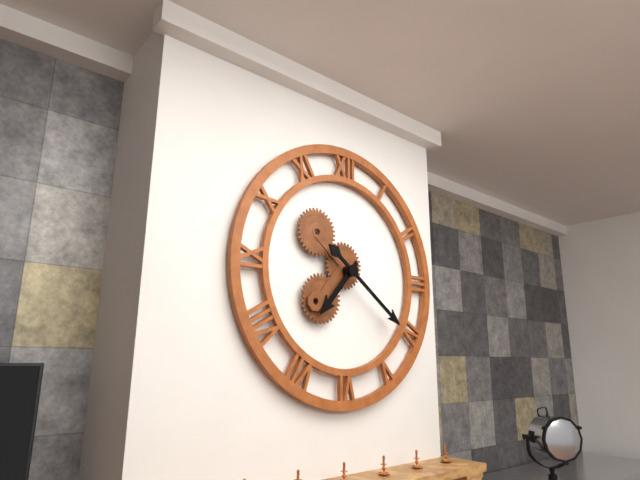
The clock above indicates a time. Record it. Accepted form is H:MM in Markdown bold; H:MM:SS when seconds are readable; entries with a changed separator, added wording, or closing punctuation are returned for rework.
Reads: **7:21**
